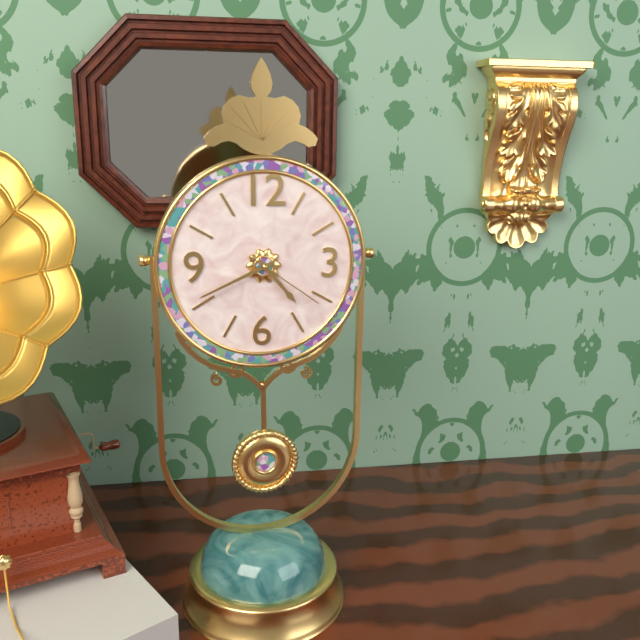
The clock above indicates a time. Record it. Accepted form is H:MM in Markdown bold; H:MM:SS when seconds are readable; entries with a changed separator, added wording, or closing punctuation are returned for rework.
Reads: **4:41:21**
